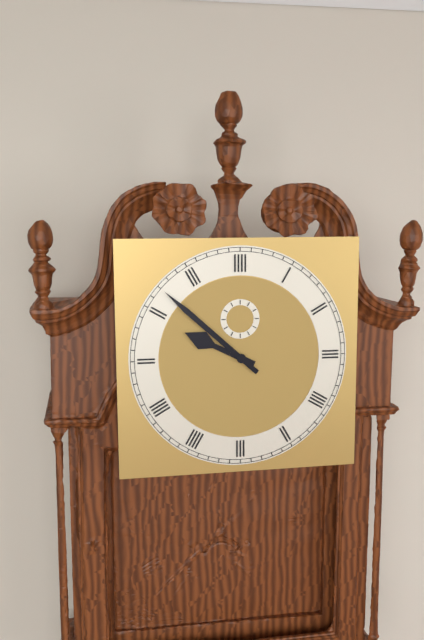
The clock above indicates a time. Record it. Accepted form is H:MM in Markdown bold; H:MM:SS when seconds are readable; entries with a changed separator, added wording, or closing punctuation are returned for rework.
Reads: **9:52**
